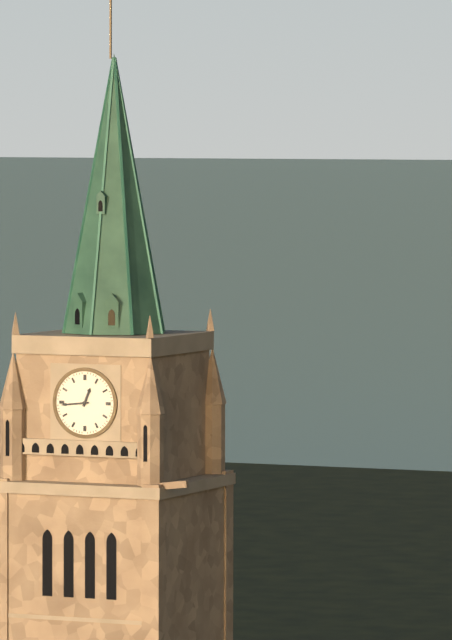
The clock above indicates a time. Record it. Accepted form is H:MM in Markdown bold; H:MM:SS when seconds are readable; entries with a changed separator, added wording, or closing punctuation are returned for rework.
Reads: **12:44**
